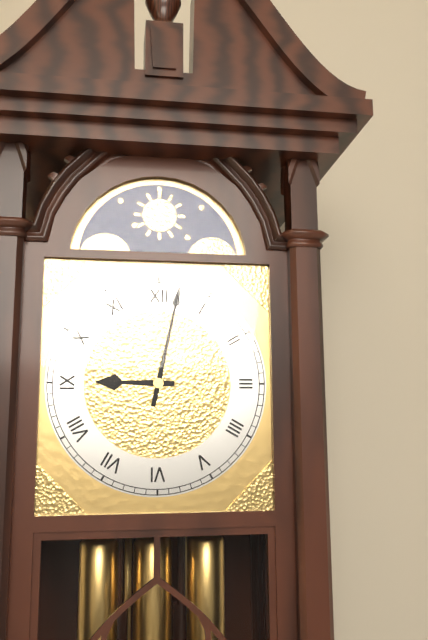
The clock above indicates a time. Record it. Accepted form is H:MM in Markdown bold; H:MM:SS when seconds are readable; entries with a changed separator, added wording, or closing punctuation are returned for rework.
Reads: **9:02**
